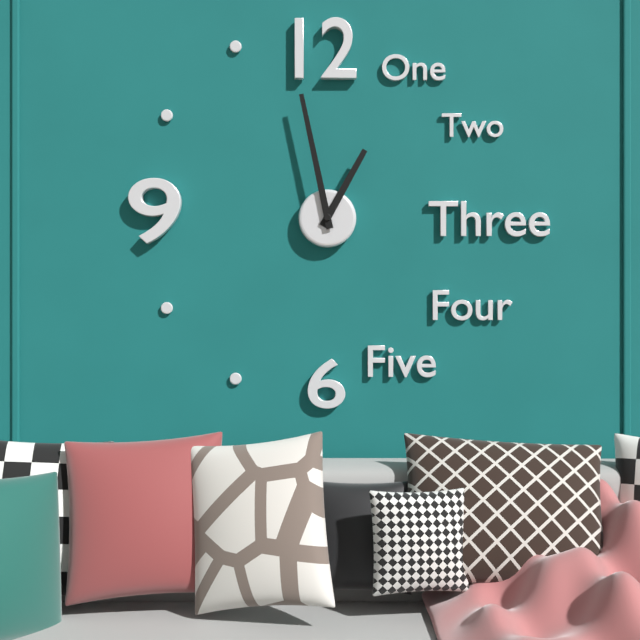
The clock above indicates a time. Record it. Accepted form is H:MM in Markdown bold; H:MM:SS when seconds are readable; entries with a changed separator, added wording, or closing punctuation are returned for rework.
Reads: **12:58**
